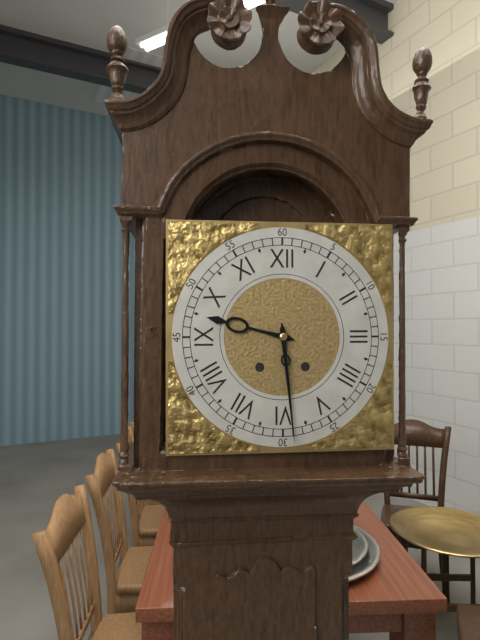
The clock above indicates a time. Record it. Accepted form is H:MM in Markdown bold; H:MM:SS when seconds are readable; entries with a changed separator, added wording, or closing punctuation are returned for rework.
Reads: **9:29**
